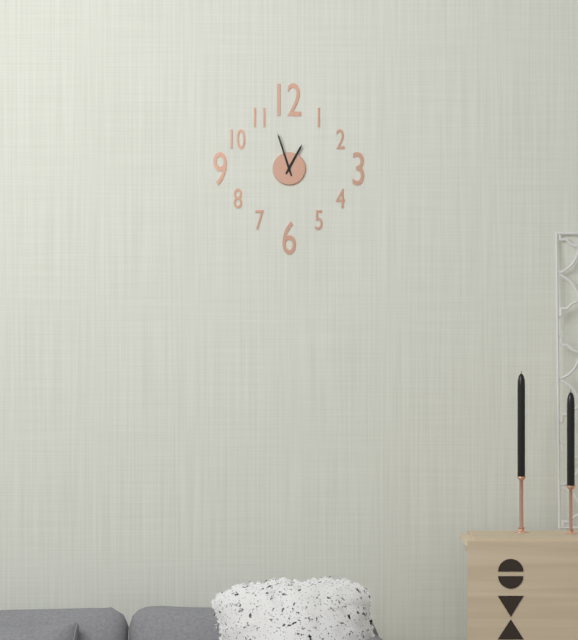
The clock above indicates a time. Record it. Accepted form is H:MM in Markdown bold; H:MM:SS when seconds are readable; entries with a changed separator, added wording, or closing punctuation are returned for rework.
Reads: **12:57**
